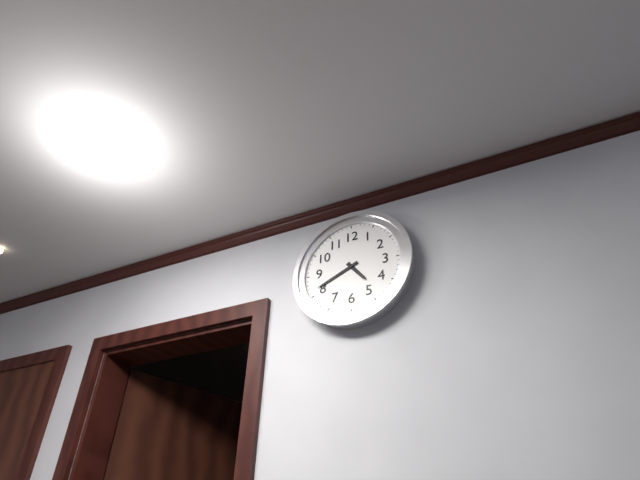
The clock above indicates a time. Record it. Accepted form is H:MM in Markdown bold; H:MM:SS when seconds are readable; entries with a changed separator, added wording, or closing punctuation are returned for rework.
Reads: **4:41**
